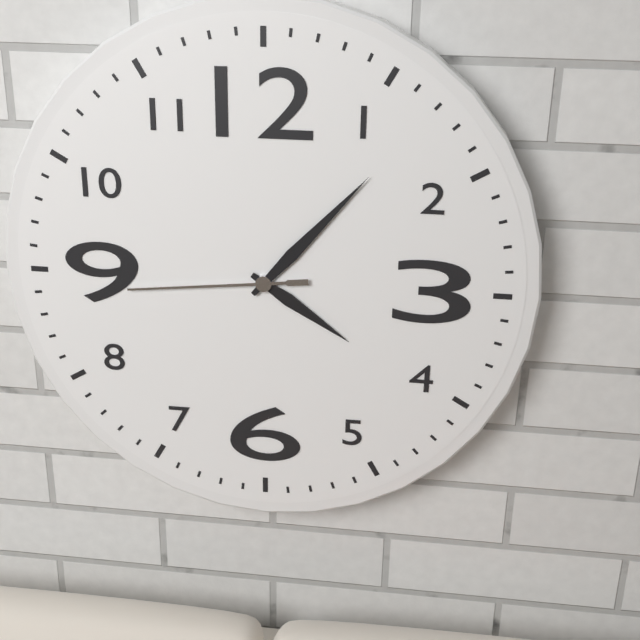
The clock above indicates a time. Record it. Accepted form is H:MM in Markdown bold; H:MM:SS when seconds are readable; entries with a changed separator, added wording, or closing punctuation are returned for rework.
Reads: **4:07:44**
